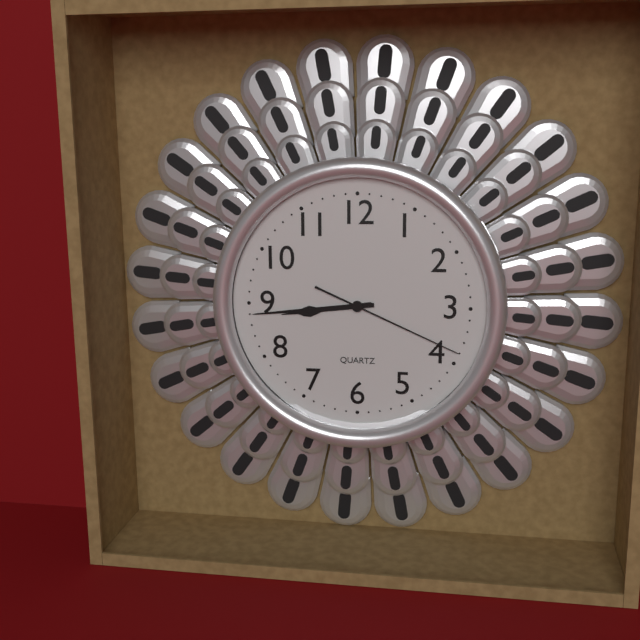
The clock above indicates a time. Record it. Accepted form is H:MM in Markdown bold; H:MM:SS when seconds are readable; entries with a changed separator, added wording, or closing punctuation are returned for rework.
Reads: **8:44:19**
